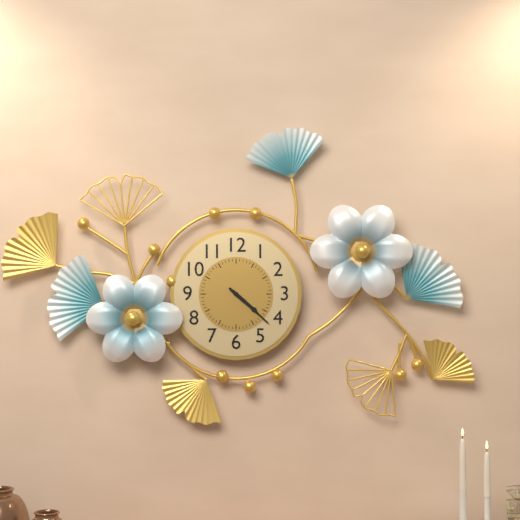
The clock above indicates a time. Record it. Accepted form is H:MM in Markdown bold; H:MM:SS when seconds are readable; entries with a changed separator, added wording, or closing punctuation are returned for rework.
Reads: **4:22**
